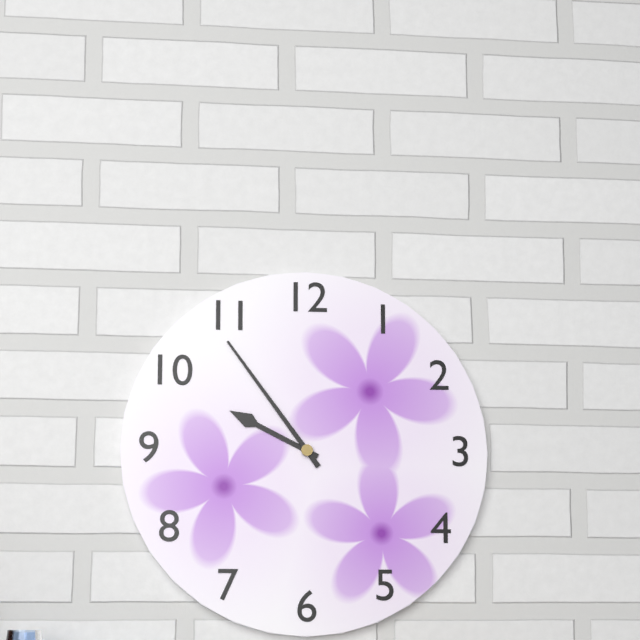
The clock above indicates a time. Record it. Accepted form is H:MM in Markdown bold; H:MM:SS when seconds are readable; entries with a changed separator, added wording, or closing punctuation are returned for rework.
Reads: **9:54**
